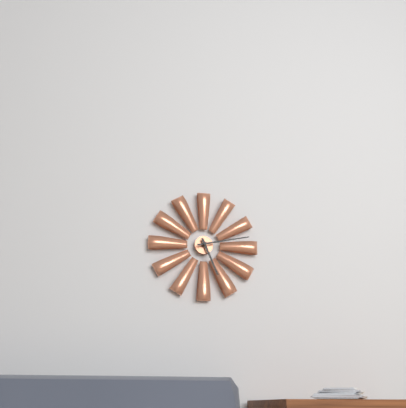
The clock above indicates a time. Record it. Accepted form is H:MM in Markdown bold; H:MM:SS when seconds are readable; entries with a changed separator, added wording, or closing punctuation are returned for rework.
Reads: **5:13**
